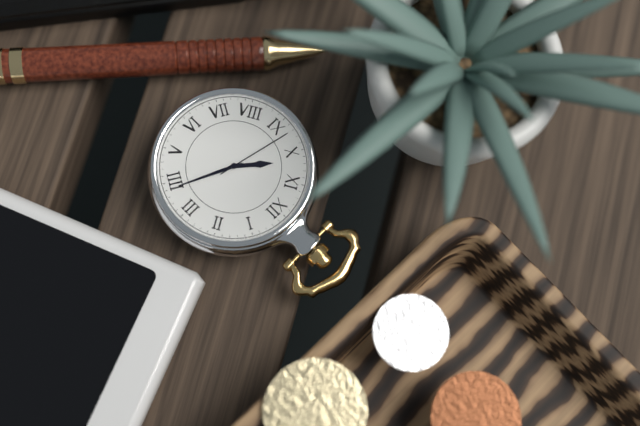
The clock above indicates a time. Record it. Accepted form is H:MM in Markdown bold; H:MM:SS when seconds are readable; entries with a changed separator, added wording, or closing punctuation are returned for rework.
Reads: **10:19:47**
